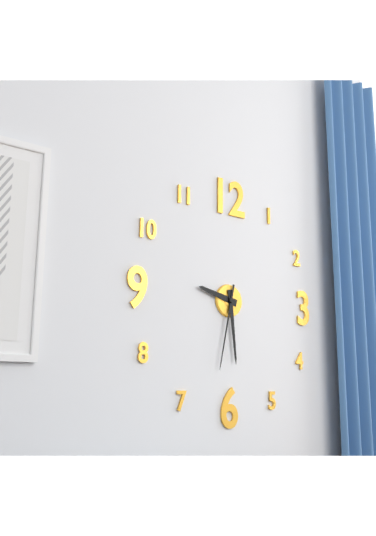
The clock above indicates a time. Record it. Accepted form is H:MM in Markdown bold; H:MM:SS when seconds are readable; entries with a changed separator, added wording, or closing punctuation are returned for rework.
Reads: **9:29:32**
